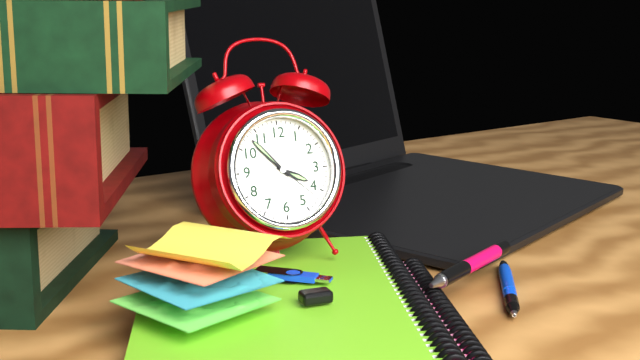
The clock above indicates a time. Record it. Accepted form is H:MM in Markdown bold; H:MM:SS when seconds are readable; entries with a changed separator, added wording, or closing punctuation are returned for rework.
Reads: **3:53:22**
